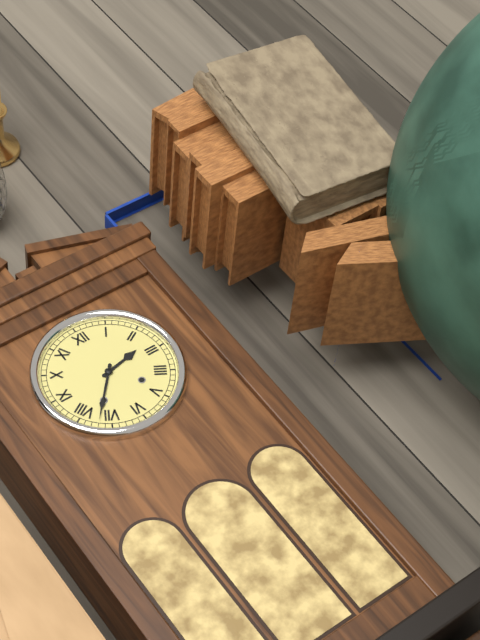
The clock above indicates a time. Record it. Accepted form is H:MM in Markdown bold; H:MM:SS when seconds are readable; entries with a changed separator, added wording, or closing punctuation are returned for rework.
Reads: **2:37**
